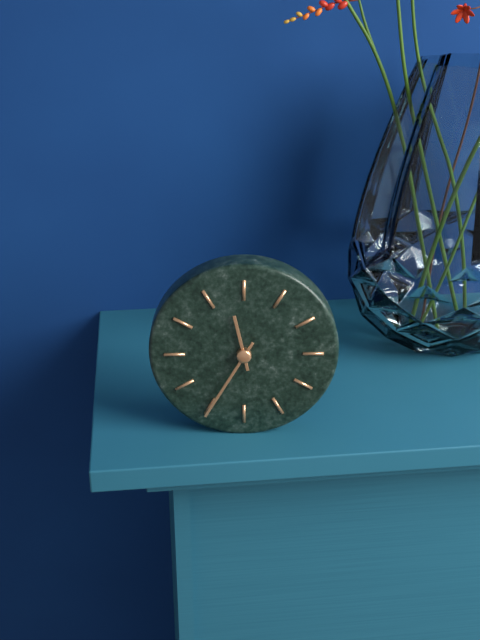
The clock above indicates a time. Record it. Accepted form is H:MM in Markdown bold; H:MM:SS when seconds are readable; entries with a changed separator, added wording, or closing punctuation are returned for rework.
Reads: **11:35**
